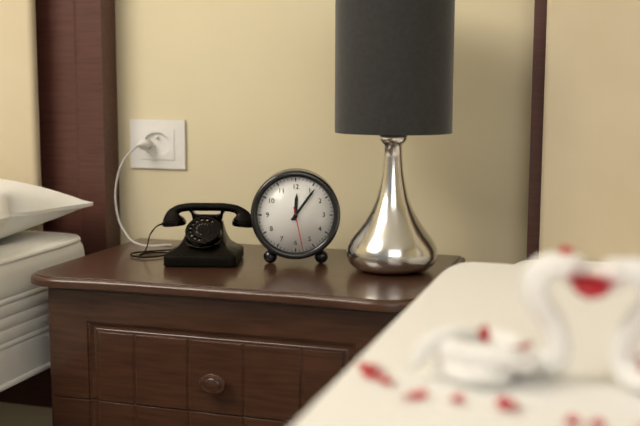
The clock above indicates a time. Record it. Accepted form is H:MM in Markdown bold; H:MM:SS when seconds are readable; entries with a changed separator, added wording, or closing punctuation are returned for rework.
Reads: **12:06**
